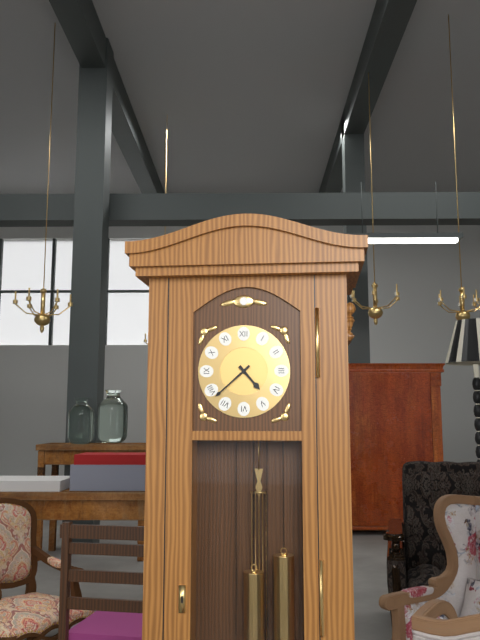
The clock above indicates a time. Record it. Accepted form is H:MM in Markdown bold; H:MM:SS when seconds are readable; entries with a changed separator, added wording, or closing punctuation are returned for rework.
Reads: **4:38**
